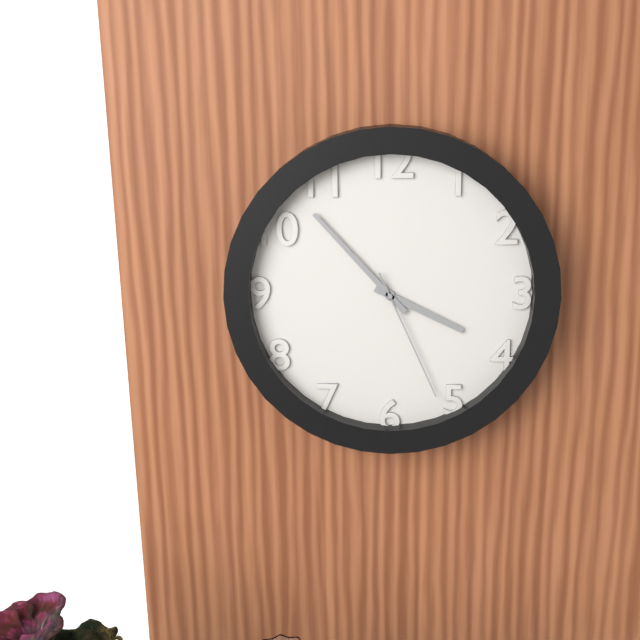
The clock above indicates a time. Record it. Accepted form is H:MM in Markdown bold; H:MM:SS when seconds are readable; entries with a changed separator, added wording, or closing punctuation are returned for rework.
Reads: **3:53:26**
